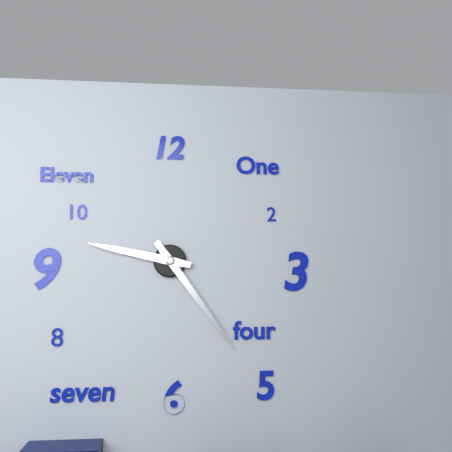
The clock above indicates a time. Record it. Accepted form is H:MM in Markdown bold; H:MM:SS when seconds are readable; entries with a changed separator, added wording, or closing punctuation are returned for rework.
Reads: **9:24**
